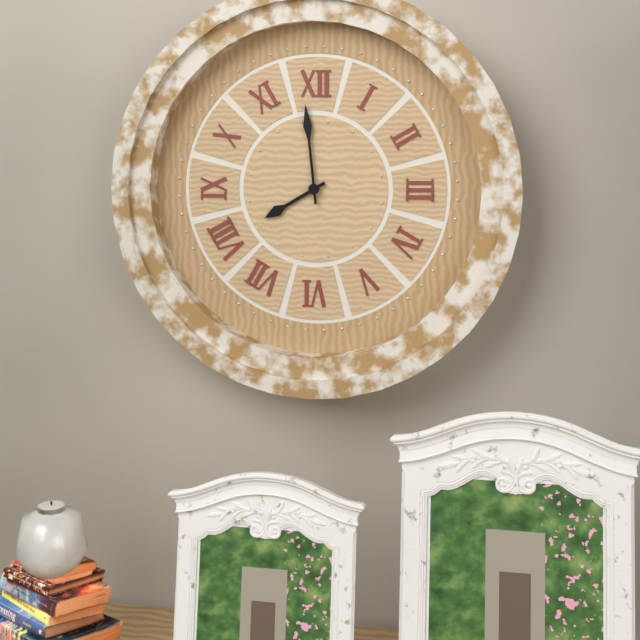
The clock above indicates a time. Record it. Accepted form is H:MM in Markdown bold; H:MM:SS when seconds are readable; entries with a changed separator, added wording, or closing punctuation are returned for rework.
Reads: **7:59**
